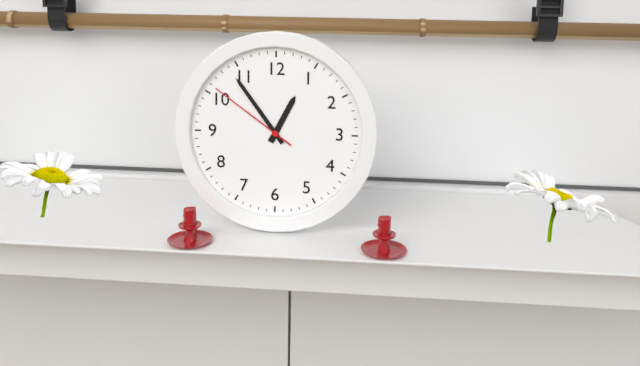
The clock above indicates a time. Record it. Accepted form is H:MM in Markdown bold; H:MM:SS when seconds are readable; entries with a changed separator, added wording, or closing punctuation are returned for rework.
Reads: **12:54:51**
